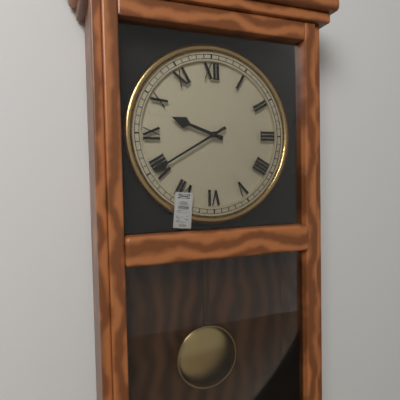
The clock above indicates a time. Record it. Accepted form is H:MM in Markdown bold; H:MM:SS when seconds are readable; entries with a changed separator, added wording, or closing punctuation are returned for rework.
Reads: **9:40**
